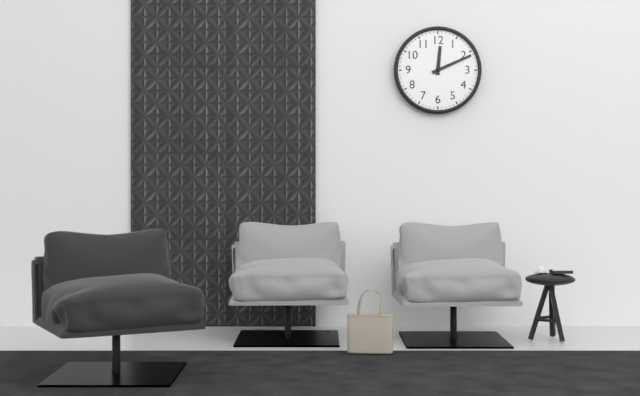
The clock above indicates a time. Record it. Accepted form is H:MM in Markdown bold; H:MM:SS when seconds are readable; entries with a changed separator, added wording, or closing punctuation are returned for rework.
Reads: **12:11**
